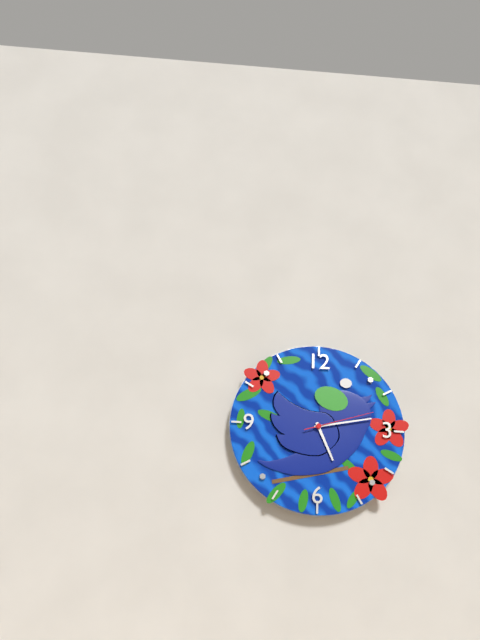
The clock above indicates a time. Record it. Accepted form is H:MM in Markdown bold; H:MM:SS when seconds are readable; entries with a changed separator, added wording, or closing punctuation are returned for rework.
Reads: **5:13:12**
